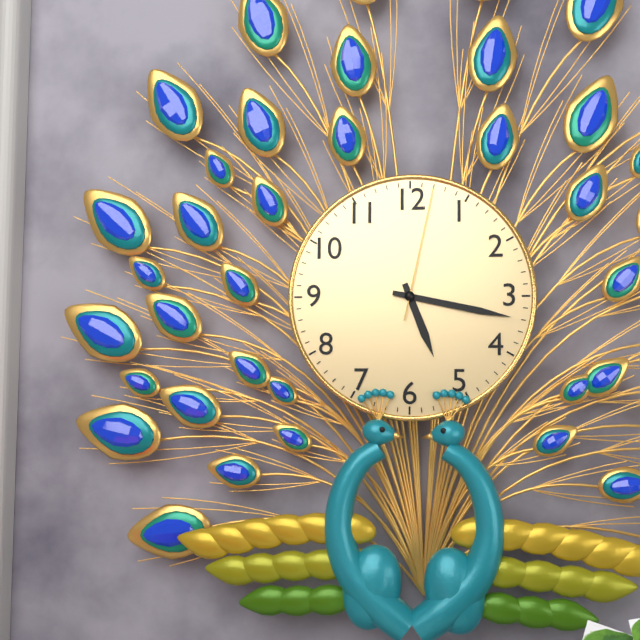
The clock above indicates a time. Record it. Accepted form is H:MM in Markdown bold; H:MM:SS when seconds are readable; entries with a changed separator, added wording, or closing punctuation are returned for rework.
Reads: **5:17:02**
